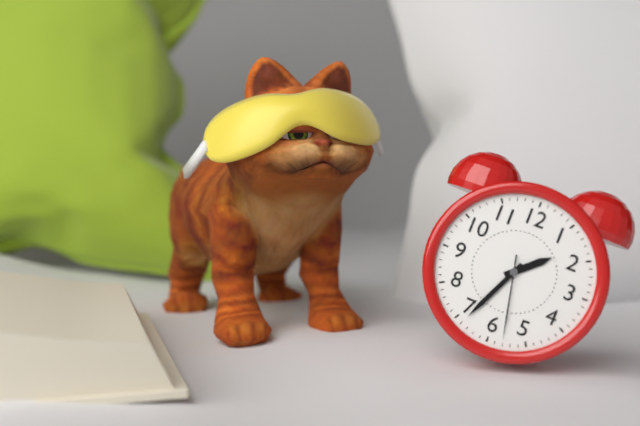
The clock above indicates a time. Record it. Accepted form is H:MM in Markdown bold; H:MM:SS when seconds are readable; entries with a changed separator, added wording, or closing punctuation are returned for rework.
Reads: **1:34:28**
